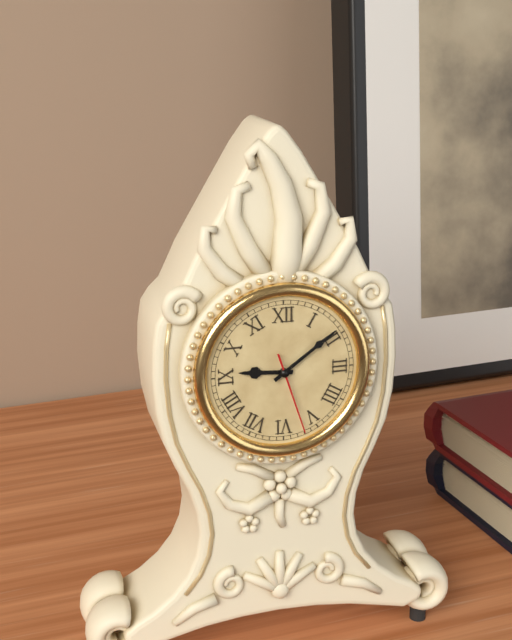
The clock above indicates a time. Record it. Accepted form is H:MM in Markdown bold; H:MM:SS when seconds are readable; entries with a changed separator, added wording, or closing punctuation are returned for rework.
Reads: **9:09:27**
